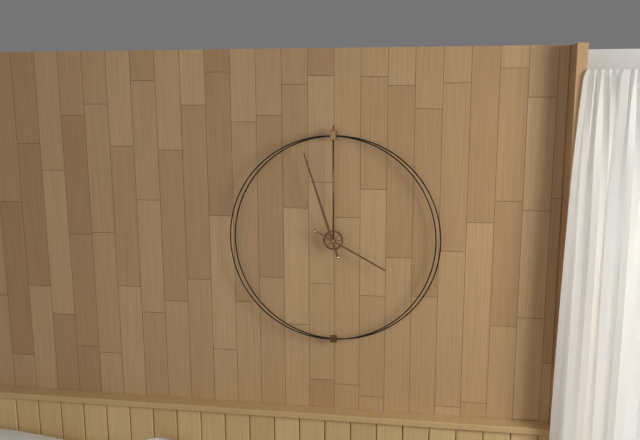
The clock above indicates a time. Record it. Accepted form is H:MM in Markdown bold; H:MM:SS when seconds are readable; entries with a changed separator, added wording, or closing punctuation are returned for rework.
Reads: **3:57**
